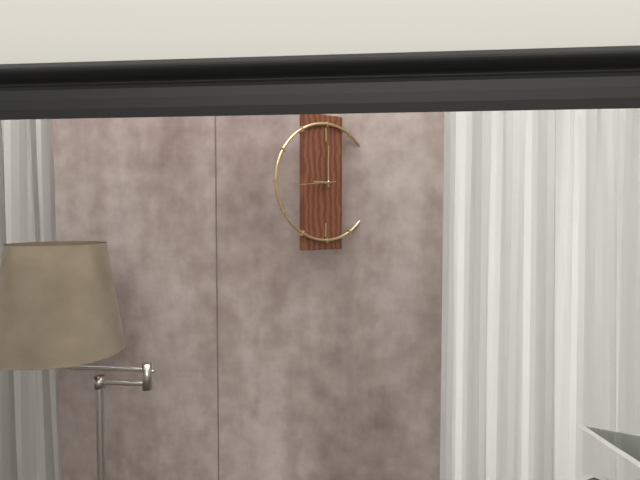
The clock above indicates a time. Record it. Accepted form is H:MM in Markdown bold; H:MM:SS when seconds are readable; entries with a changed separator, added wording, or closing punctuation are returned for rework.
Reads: **9:00**
